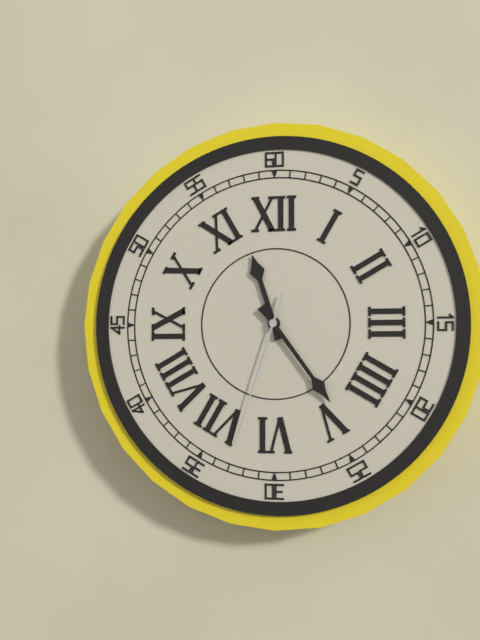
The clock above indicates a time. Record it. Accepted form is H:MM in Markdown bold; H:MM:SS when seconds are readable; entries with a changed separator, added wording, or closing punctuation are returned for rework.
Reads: **11:24:33**
